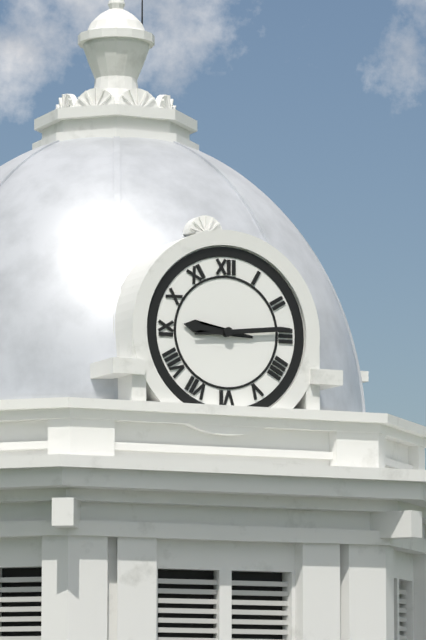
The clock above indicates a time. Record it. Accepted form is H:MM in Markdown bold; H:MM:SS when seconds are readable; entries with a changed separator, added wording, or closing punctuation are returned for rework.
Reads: **9:14**
